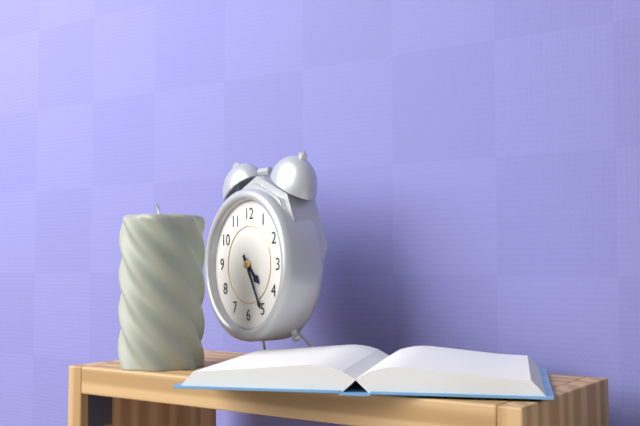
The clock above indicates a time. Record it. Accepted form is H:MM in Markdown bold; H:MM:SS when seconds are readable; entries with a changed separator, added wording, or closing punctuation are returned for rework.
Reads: **4:25**
